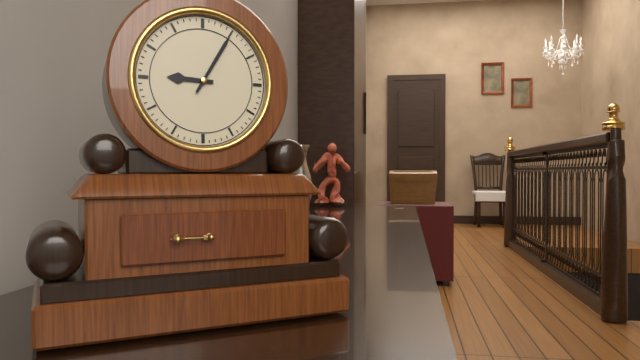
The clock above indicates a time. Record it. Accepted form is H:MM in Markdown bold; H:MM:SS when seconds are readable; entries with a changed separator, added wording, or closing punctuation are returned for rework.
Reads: **9:05**
